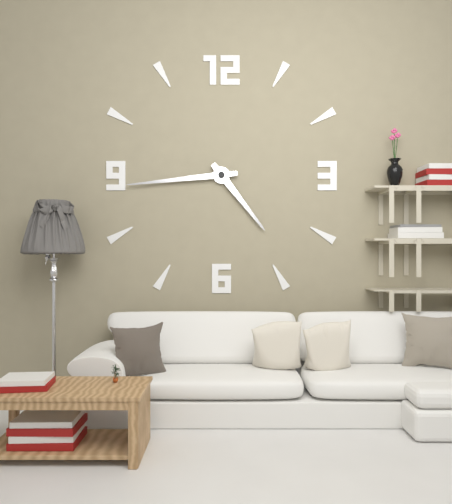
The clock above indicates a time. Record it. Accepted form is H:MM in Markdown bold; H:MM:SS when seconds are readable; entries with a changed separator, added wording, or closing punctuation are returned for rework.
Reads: **4:44**
